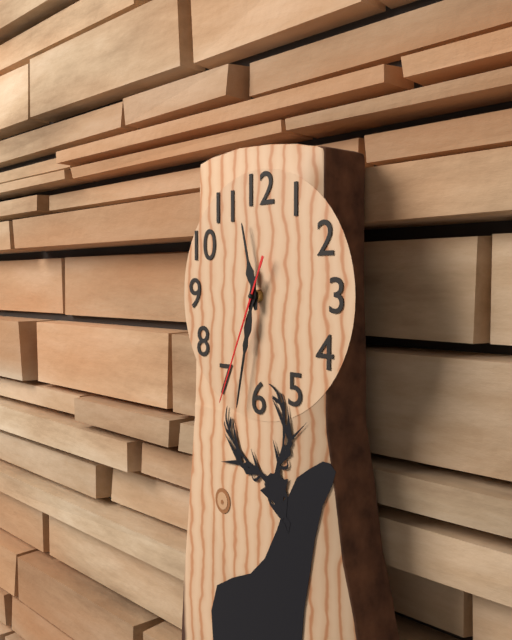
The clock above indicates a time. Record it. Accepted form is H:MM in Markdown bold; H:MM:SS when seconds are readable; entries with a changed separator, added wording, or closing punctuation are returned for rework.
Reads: **11:32:34**
